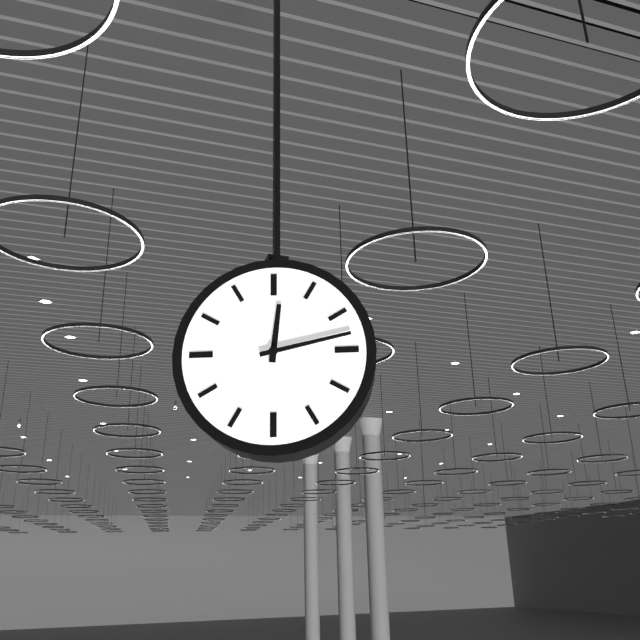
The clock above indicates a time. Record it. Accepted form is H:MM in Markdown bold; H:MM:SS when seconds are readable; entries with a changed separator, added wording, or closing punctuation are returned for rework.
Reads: **12:13**
